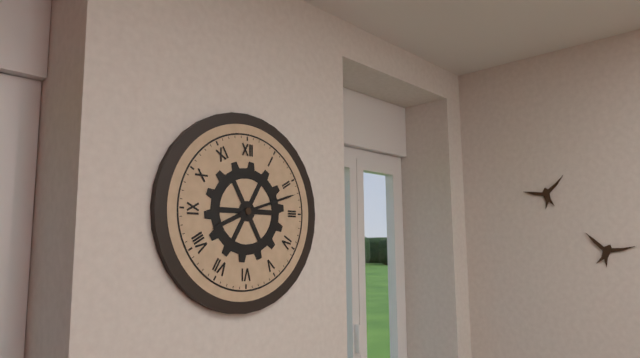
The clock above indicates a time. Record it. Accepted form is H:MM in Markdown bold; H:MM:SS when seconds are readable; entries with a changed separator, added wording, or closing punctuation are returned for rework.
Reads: **8:12**
